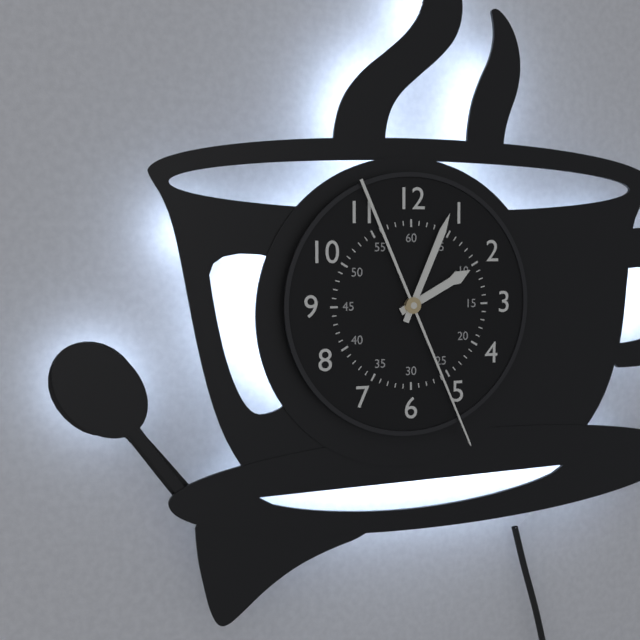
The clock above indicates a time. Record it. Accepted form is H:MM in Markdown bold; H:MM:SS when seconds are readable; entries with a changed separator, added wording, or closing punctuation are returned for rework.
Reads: **2:04:26**
